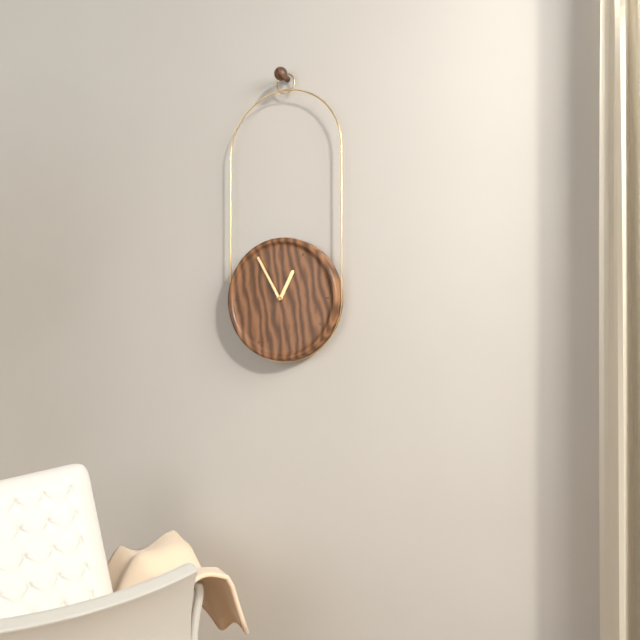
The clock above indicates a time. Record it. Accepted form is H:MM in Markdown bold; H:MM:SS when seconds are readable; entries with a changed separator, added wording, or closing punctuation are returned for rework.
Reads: **12:55**
